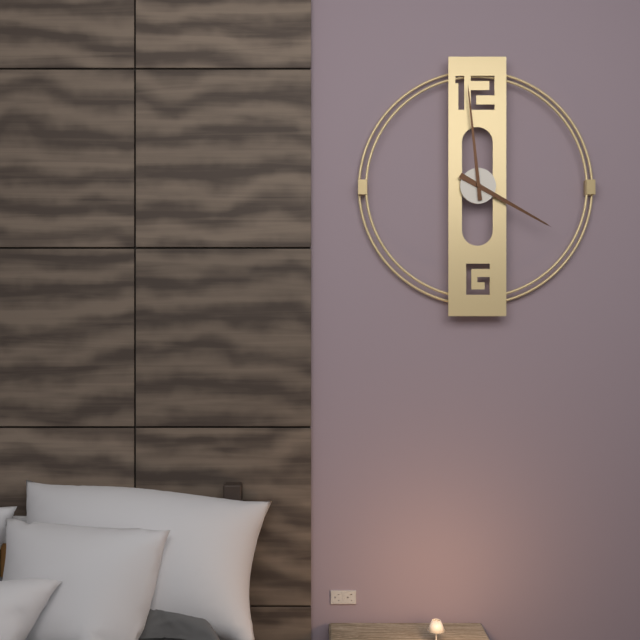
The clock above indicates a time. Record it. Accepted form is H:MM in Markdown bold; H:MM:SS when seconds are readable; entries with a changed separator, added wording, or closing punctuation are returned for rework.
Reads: **3:59**
